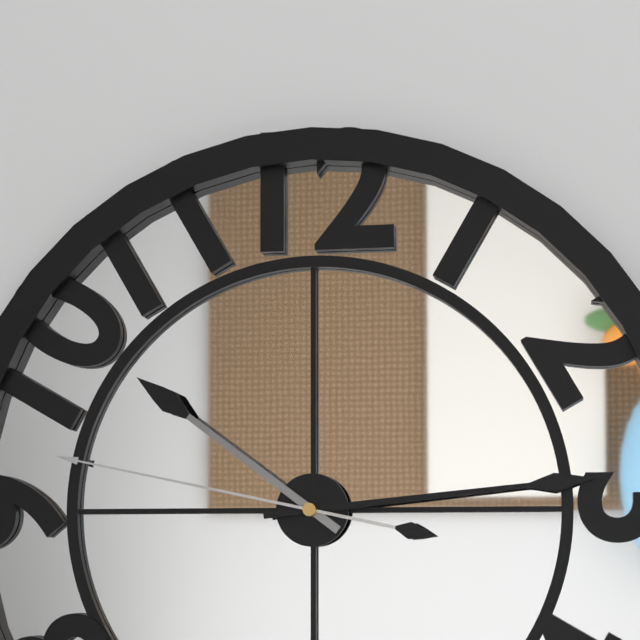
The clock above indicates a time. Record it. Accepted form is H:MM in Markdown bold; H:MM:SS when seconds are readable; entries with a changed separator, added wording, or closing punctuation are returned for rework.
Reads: **10:14:47**
